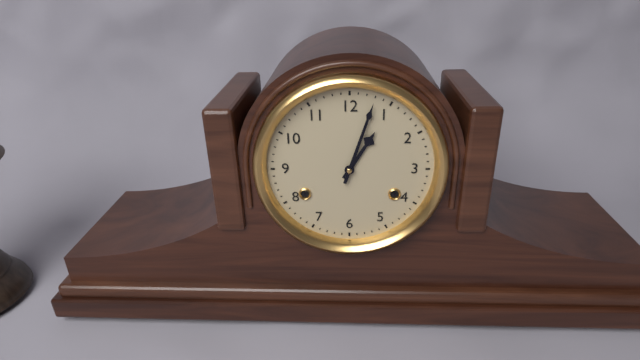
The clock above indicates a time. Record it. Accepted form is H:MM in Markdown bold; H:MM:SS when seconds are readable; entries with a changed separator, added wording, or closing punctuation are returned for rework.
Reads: **1:03**
